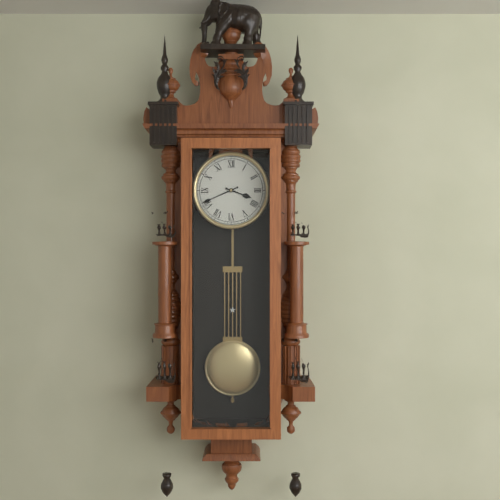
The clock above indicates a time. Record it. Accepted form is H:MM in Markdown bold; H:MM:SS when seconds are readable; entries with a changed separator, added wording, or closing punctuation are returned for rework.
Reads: **3:41**
